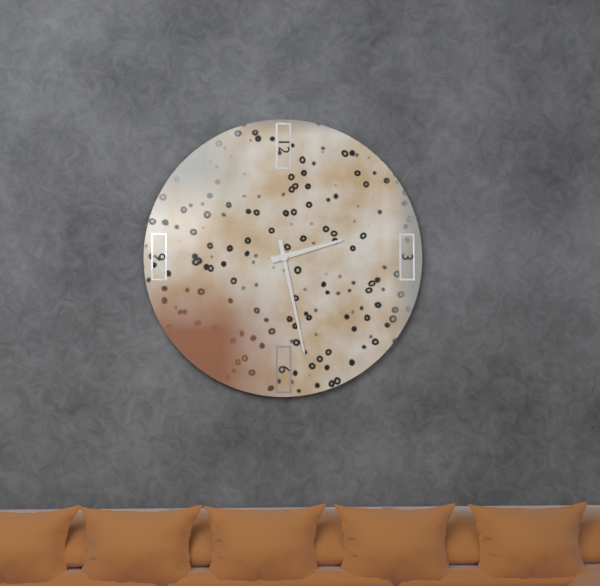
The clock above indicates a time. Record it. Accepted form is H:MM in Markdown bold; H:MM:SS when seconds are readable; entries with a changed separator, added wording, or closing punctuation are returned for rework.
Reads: **2:28**
